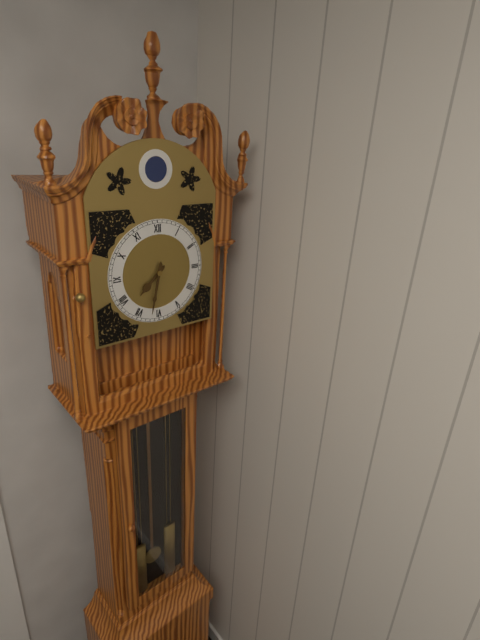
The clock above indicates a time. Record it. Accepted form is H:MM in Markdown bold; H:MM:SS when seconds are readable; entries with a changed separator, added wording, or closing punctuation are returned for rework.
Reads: **7:32**
